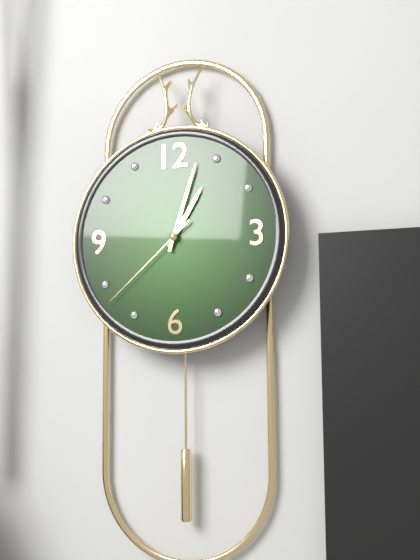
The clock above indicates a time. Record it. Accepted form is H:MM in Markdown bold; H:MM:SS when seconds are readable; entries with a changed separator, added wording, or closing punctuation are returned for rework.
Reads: **1:03:38**
